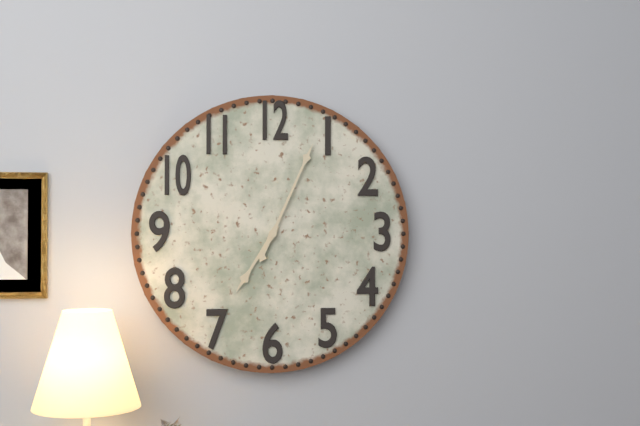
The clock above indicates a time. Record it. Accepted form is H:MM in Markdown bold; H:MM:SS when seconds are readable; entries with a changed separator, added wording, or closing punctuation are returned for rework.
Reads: **7:04**
